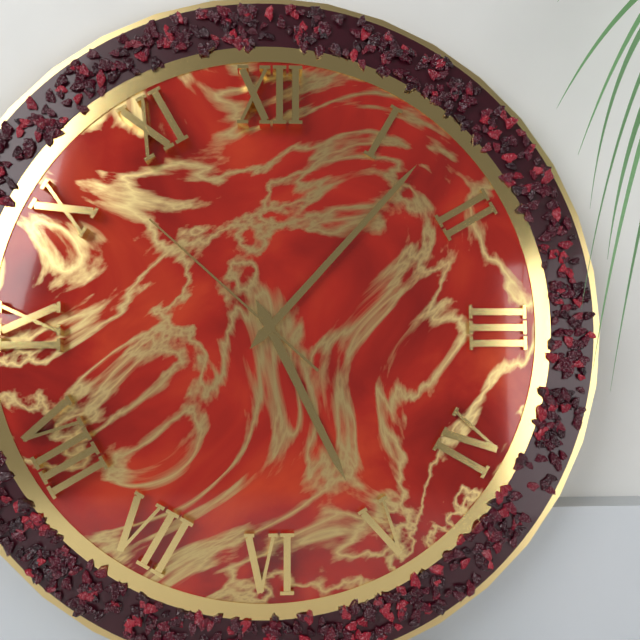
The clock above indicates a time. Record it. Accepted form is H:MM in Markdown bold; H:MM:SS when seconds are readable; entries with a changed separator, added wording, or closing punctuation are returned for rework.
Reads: **5:07:52**
